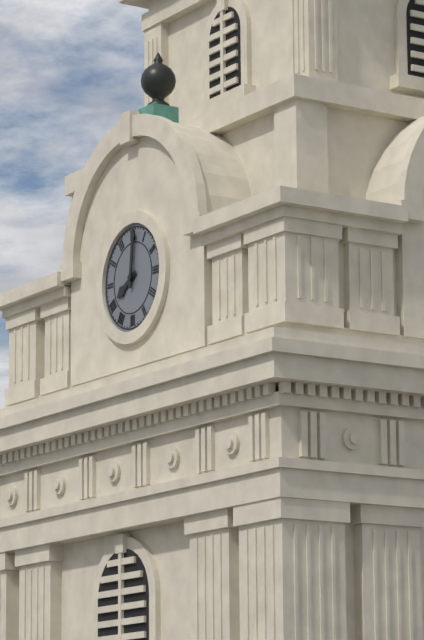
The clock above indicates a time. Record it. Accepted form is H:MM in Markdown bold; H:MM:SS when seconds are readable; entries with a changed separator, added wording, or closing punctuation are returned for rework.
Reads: **8:01**
